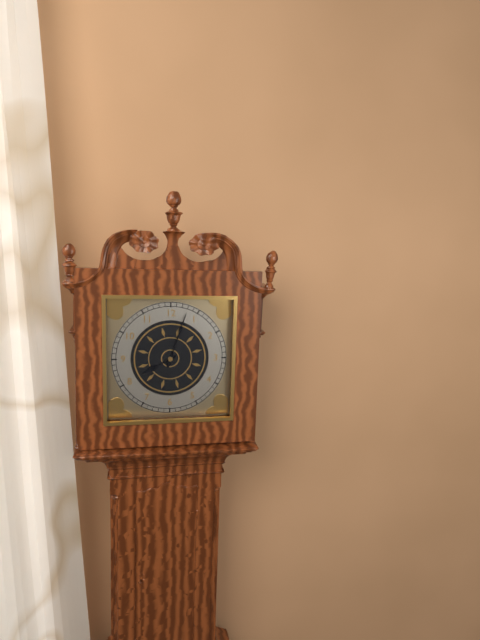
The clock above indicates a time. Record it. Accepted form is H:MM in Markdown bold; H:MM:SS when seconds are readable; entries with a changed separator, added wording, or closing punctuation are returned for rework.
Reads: **8:03**
